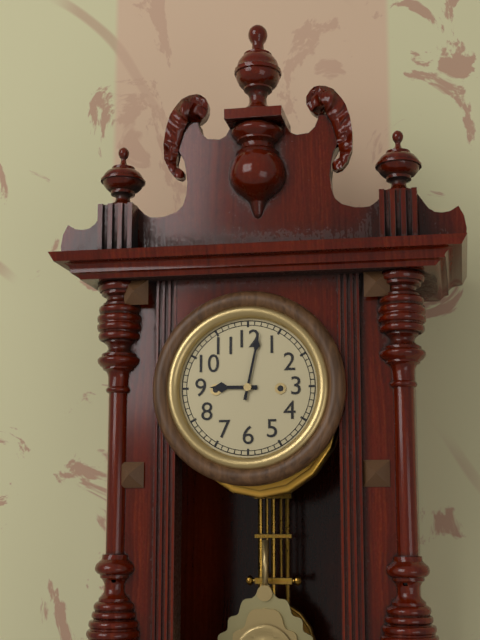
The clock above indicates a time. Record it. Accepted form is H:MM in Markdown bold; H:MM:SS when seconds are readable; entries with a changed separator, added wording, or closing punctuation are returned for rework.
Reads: **9:02**
